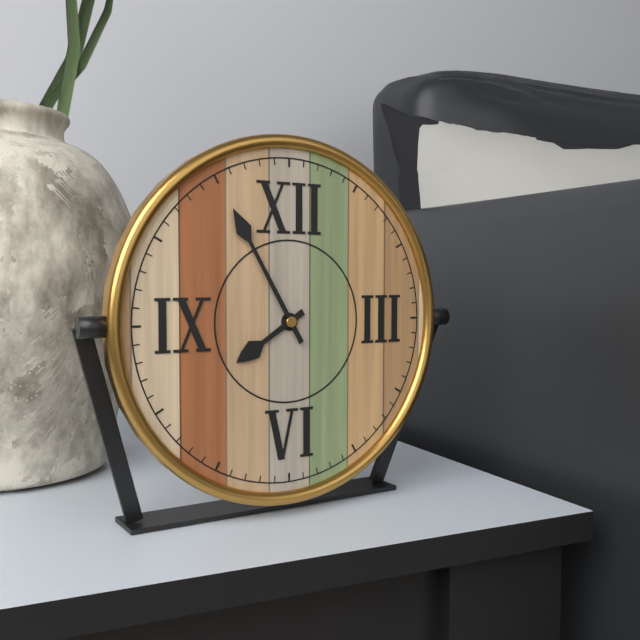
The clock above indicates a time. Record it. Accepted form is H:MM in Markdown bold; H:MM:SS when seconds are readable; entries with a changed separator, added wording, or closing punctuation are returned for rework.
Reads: **7:55**
